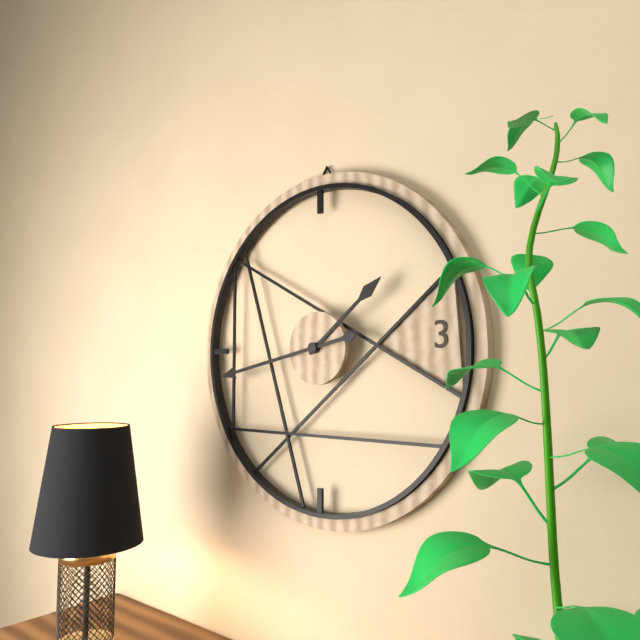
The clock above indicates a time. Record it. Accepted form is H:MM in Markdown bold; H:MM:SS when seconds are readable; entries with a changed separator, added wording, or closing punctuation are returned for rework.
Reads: **1:43**
